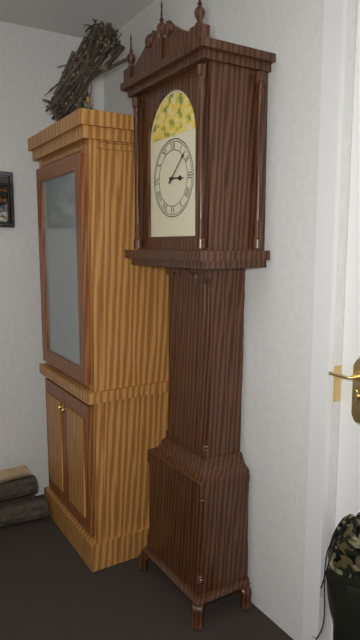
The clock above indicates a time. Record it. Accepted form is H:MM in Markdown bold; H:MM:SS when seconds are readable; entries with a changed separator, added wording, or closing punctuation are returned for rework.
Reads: **3:08**
